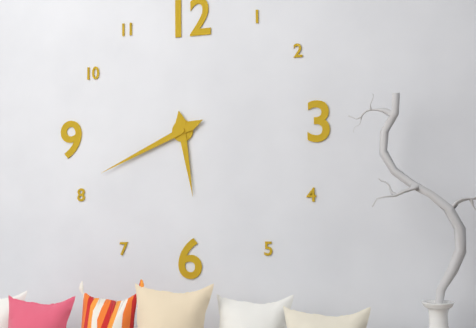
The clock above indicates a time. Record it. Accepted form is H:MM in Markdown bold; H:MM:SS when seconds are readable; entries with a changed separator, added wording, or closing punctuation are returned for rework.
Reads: **5:41**
